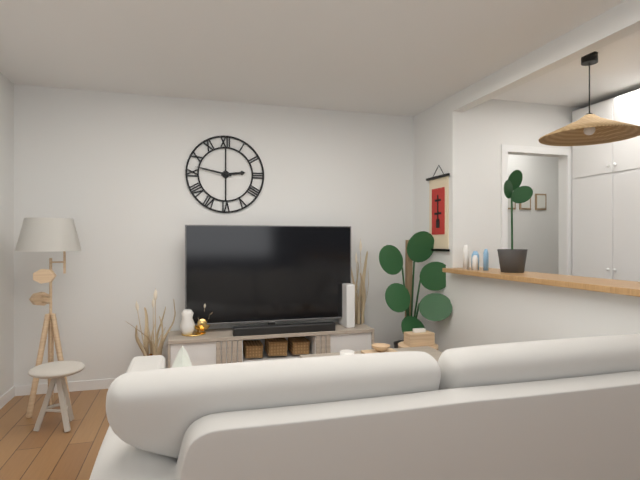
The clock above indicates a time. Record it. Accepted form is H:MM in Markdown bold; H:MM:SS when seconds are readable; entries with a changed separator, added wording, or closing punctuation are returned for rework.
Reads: **2:47**
